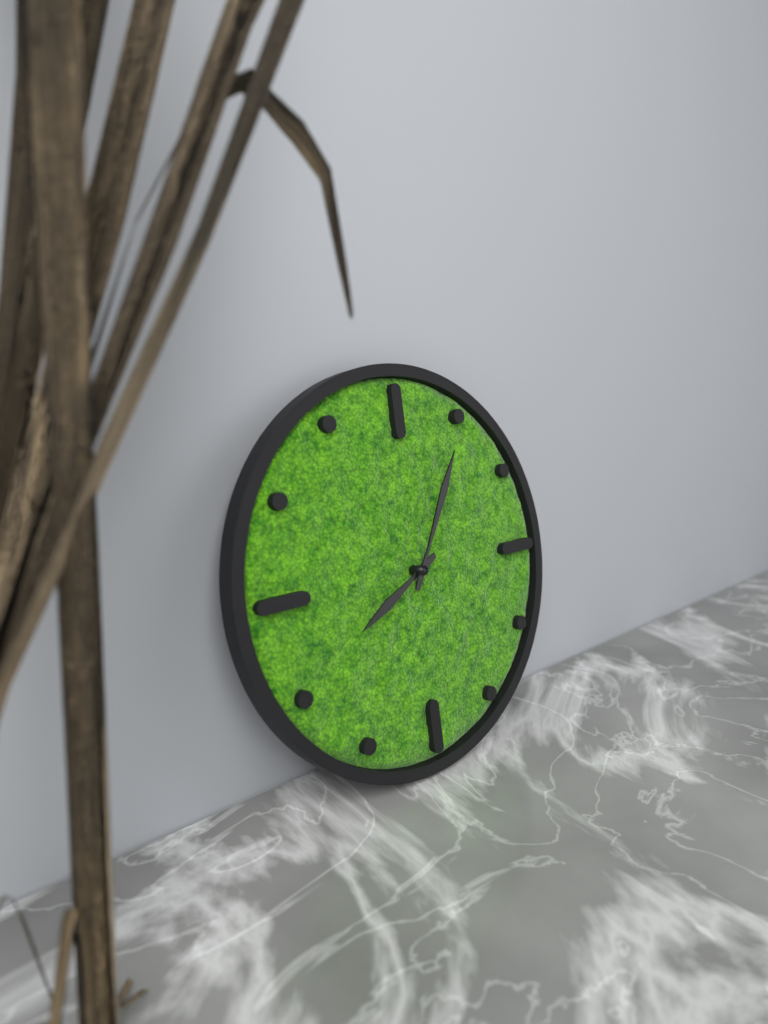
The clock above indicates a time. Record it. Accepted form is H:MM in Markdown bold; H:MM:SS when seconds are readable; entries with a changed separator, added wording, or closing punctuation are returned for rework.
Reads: **8:05**
